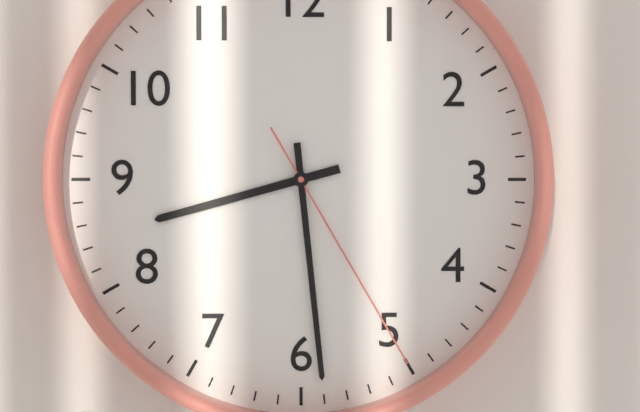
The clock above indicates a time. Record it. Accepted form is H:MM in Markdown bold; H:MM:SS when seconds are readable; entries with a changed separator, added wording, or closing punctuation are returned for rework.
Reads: **8:29:25**
